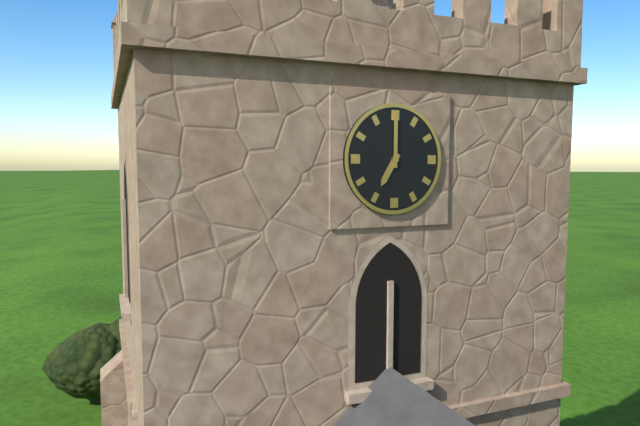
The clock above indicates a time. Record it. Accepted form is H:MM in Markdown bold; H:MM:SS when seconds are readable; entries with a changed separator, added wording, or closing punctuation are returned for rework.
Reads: **7:00**
